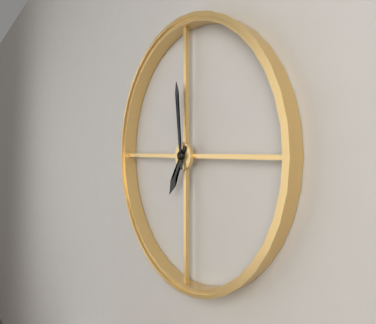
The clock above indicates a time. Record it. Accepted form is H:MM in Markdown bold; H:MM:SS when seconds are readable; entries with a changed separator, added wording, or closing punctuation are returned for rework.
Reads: **6:59**
